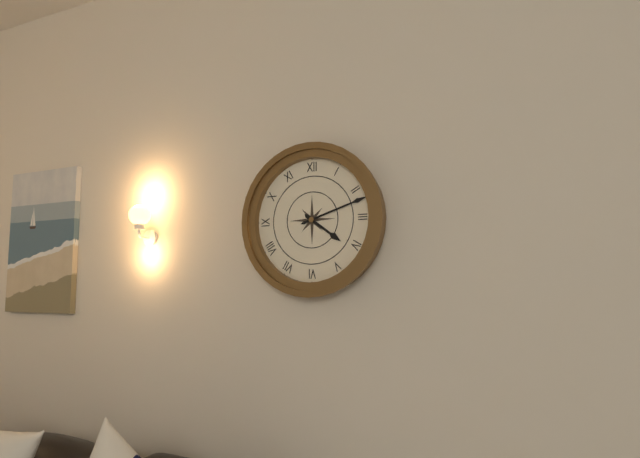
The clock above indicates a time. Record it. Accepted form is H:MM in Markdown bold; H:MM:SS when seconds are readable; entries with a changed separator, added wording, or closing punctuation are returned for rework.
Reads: **4:12**
